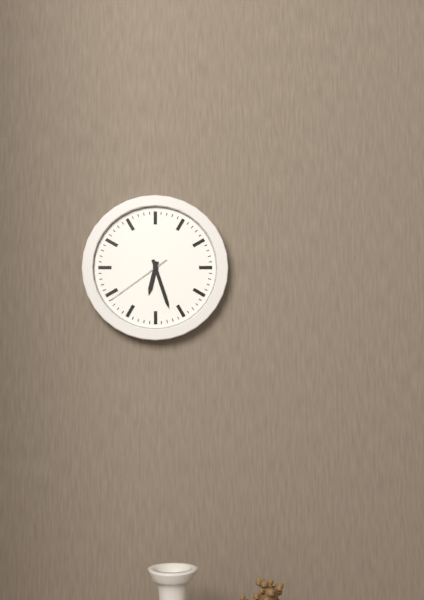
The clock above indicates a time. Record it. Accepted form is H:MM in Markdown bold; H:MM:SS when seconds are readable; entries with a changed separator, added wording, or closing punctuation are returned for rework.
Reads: **6:27:39**
